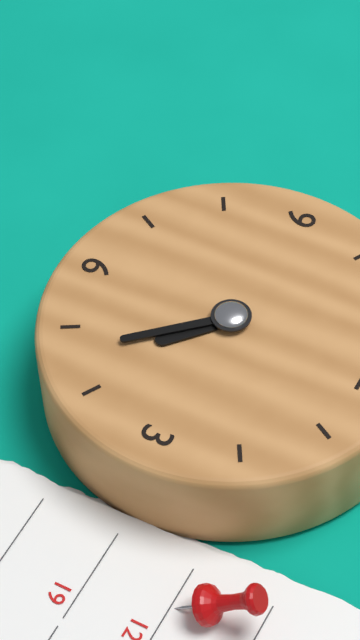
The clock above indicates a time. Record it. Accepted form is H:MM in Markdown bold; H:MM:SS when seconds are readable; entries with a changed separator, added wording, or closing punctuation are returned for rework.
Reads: **4:23**
